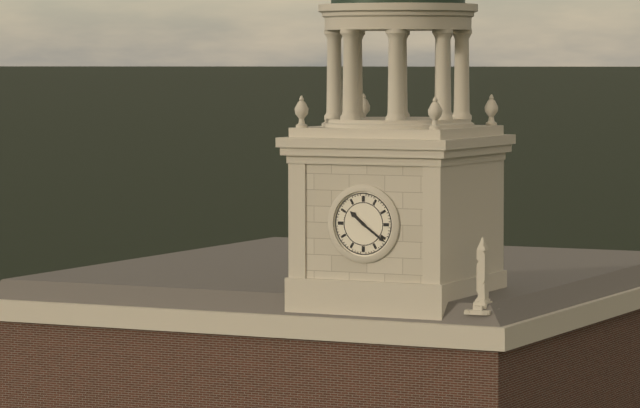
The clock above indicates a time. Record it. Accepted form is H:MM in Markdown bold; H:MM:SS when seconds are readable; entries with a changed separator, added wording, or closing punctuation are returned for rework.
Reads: **10:21**
